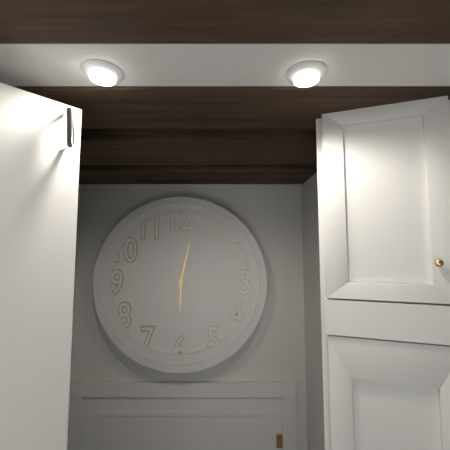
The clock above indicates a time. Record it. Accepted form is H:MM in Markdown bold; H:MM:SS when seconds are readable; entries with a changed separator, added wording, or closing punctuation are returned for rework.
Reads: **6:02**
